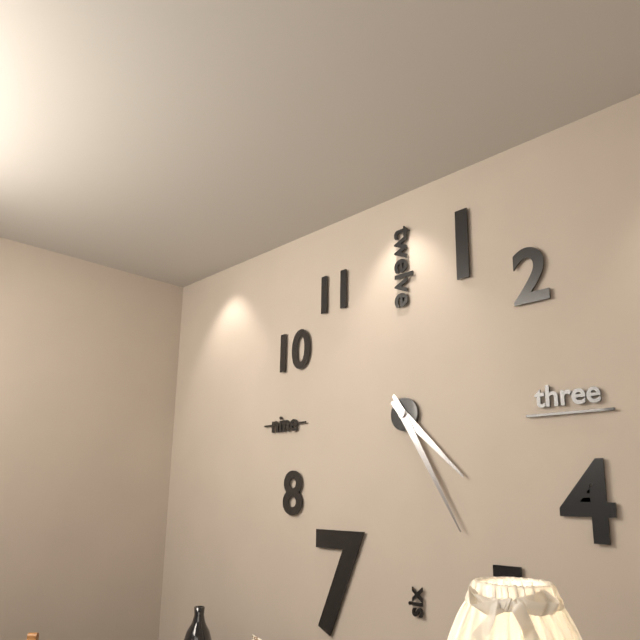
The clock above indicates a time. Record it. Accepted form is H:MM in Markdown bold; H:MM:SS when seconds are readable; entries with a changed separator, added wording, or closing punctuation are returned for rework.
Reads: **4:25**
